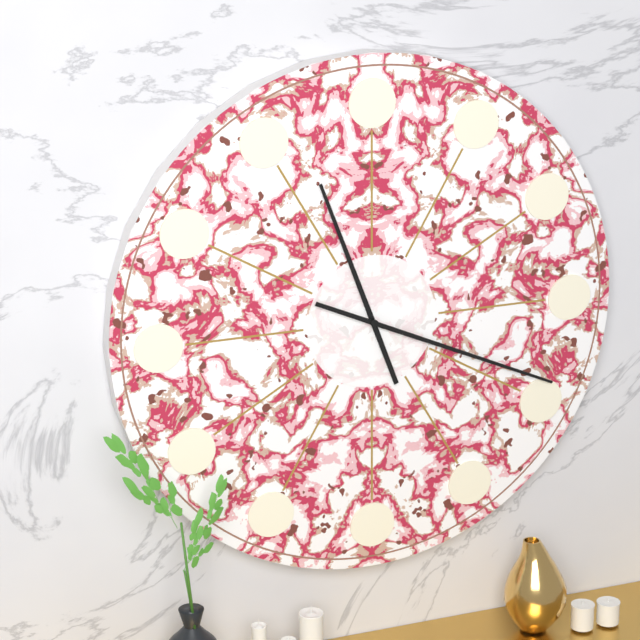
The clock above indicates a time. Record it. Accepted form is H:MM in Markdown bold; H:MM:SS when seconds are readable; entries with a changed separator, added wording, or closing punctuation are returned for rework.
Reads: **11:19**
